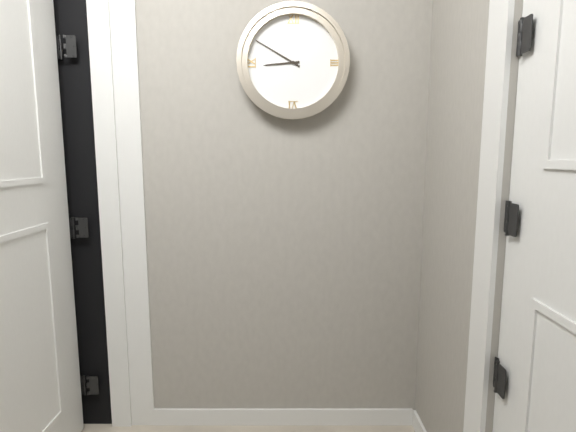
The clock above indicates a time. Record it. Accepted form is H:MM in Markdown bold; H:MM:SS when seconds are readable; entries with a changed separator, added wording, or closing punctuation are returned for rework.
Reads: **8:50**
